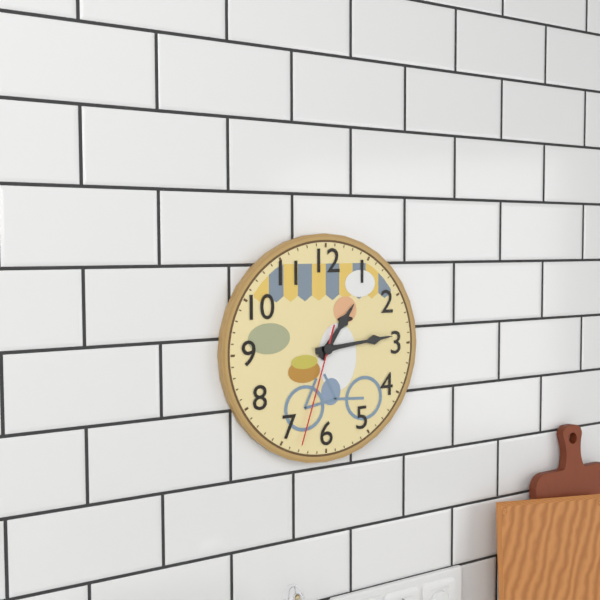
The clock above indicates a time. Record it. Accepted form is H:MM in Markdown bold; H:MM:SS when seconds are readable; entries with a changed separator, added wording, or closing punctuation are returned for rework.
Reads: **1:14:33**
